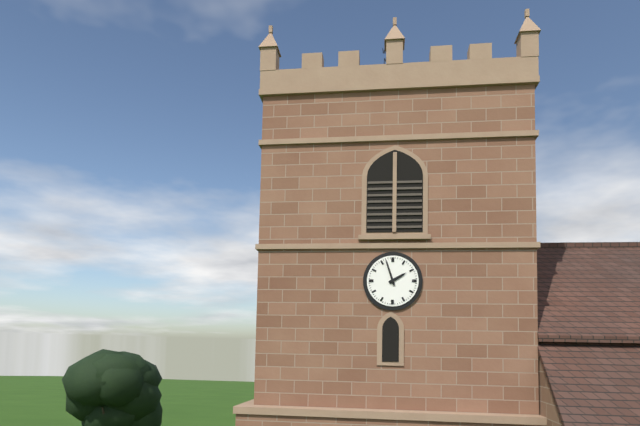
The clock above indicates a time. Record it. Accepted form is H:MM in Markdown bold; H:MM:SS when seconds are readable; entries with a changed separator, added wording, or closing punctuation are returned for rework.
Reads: **1:57**
